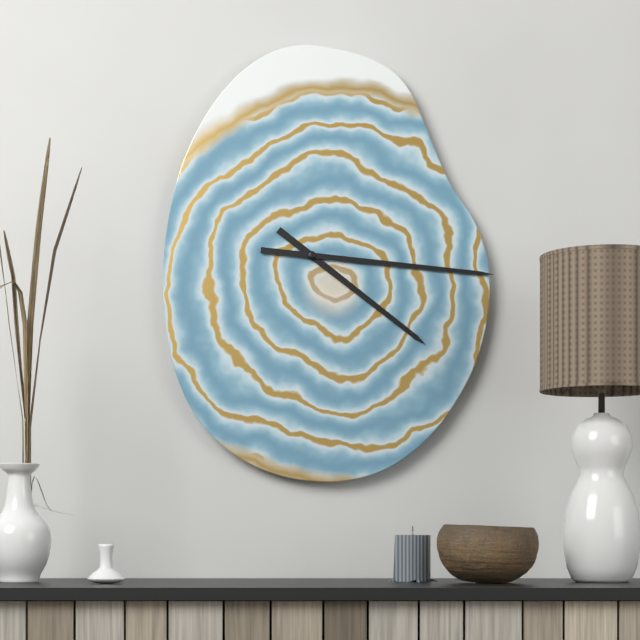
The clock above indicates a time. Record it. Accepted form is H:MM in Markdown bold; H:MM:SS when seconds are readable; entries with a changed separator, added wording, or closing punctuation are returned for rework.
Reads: **4:16**
